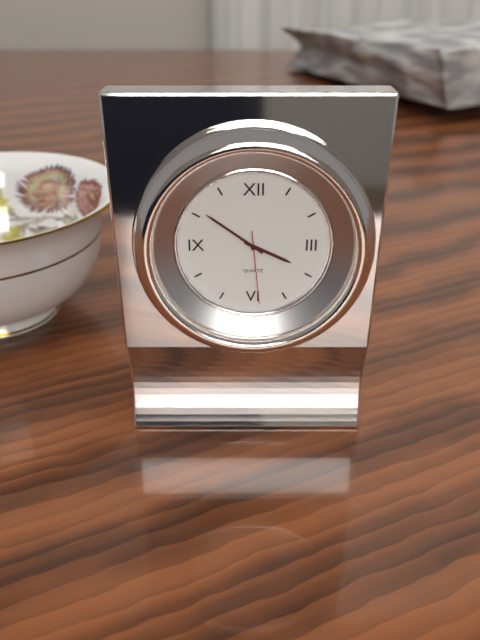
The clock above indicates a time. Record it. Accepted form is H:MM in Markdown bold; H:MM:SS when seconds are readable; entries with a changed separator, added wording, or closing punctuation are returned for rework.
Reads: **3:51:29**
